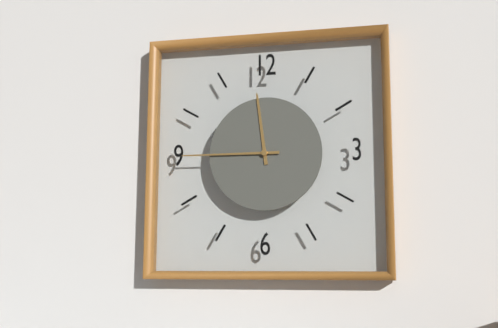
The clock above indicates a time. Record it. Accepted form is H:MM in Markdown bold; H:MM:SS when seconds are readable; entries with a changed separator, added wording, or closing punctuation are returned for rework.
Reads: **11:45**
